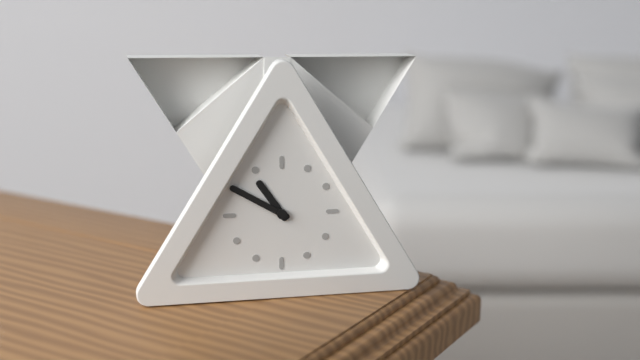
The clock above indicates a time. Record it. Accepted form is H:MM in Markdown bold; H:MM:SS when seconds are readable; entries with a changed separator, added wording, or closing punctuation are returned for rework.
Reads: **10:50**
